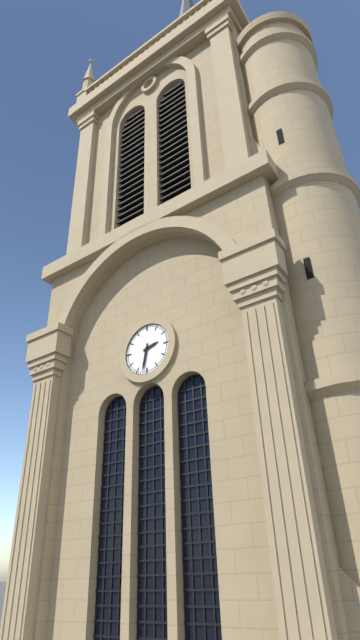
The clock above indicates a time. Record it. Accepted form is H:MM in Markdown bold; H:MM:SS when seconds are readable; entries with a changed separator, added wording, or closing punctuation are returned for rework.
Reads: **2:32**
